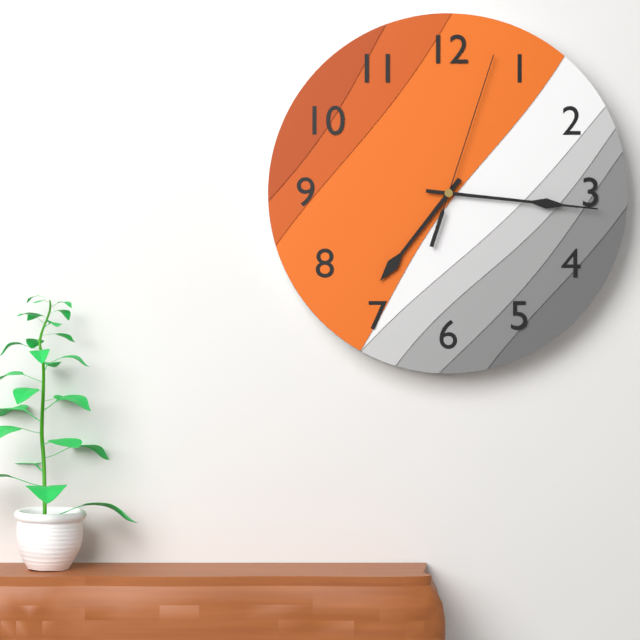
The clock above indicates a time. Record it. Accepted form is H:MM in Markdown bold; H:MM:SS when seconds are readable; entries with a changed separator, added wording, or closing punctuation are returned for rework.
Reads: **7:16:03**
